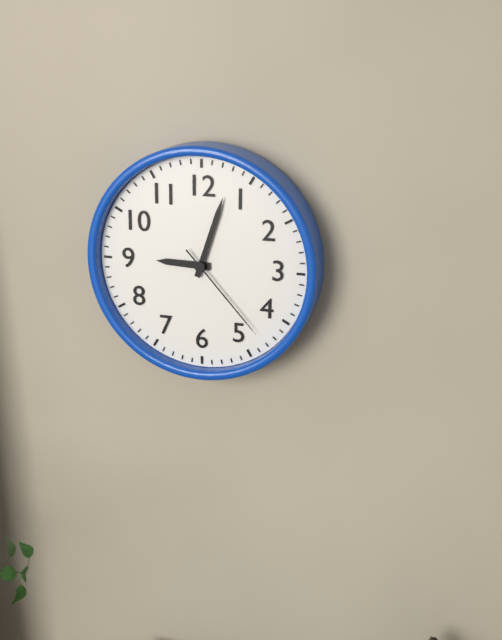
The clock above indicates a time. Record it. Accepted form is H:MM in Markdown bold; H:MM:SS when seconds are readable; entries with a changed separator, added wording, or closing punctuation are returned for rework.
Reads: **9:03:23**
